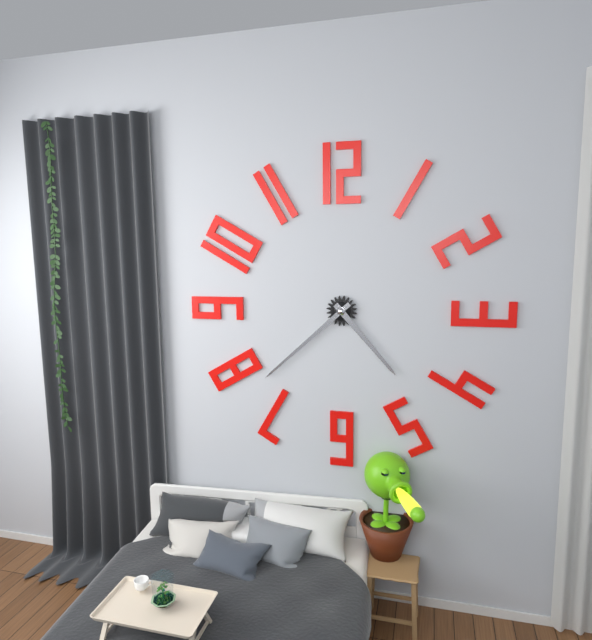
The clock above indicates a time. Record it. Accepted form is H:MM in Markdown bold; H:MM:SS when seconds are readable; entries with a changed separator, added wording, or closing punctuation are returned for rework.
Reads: **4:38**
